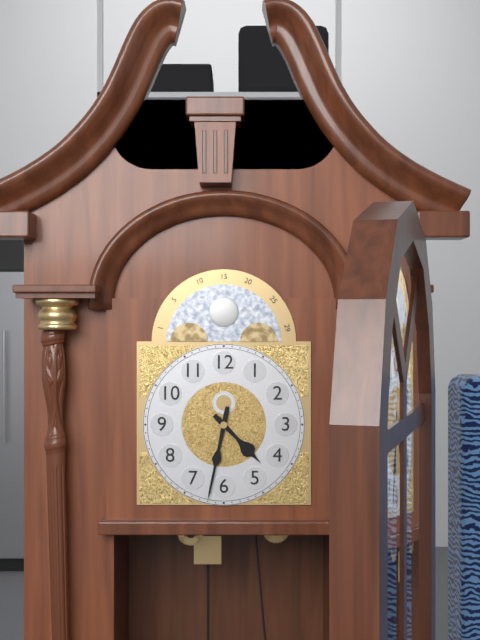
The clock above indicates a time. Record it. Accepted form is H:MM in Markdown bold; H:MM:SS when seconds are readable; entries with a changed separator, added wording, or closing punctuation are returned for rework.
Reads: **4:32**
